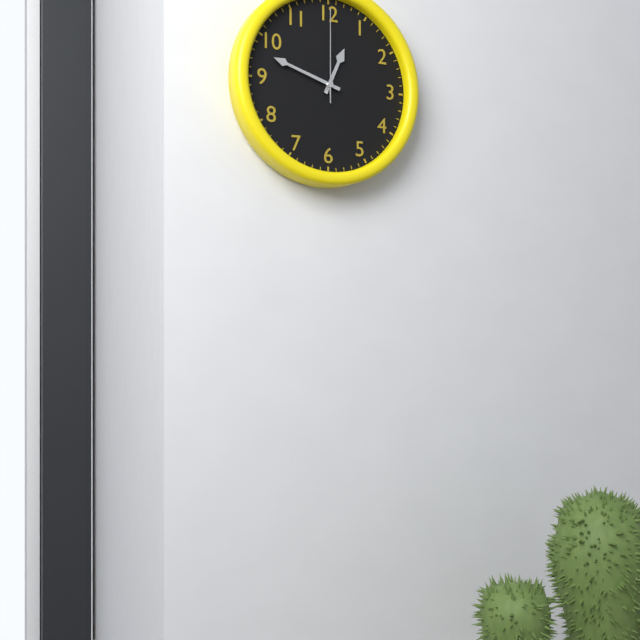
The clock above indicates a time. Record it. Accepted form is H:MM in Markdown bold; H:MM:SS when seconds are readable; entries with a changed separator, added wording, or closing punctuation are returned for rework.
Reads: **12:48:00**
